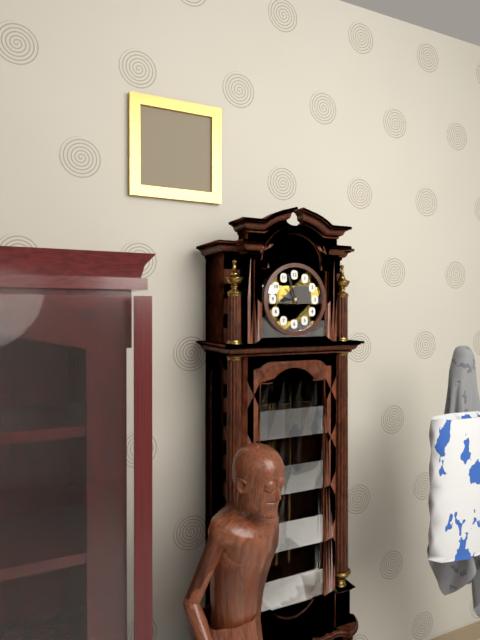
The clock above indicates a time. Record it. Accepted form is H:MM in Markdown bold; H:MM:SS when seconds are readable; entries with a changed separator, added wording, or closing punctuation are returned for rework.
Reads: **8:57**
